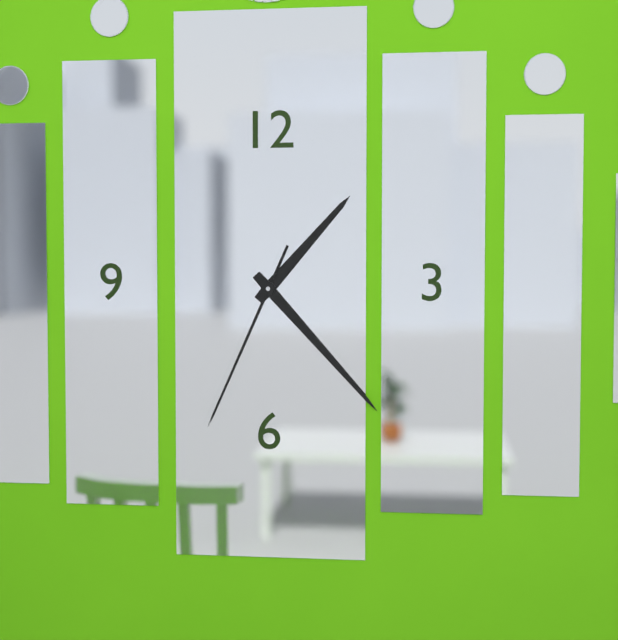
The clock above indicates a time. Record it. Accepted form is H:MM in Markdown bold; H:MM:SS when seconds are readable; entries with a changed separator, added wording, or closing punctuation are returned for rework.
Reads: **1:23:34**
